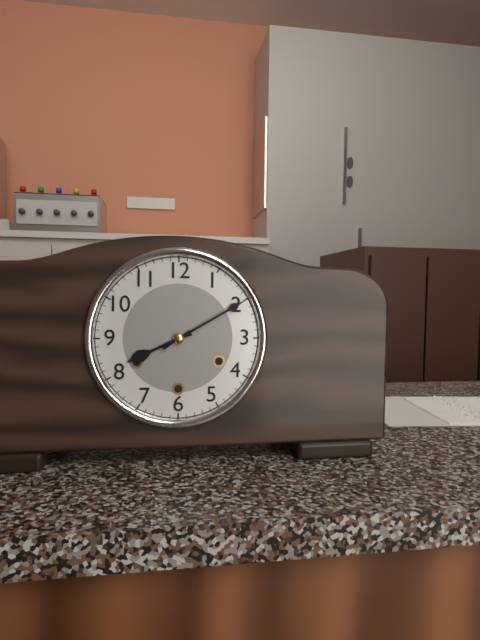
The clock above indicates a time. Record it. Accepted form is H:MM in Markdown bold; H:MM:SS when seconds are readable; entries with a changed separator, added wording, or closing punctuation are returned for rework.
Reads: **8:10**
